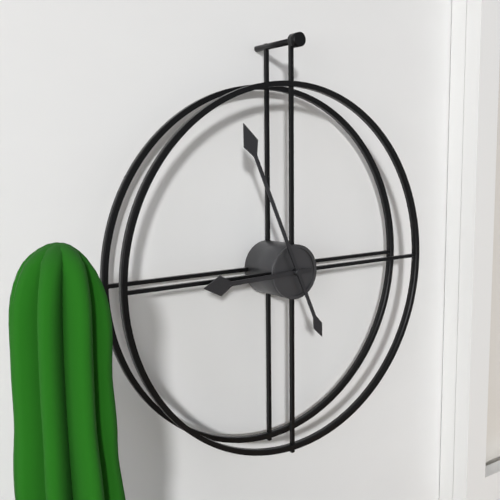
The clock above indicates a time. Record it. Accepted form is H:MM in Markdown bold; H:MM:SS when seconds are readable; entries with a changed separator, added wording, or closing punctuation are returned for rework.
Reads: **8:56**
